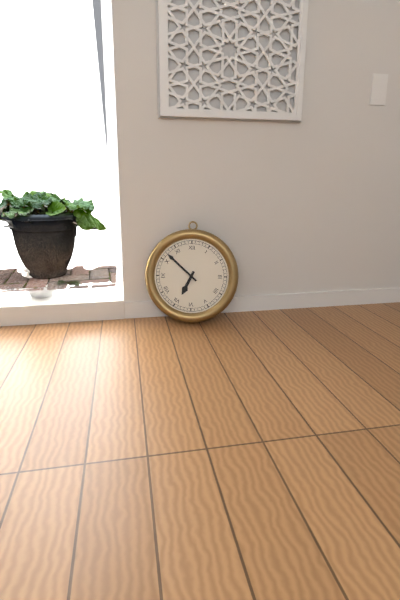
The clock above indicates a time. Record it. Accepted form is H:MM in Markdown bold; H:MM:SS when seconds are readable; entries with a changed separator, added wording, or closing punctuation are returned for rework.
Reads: **6:52**
